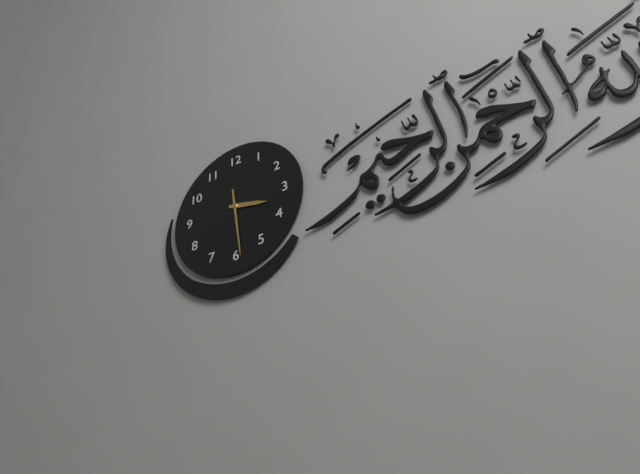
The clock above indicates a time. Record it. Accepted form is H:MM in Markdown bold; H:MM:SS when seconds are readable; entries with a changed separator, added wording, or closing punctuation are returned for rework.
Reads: **3:29**
